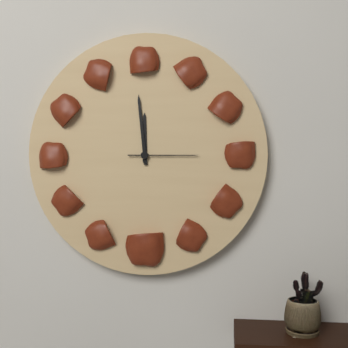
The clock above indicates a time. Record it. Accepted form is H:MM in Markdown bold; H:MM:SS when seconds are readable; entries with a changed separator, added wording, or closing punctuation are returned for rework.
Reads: **11:59:15**
